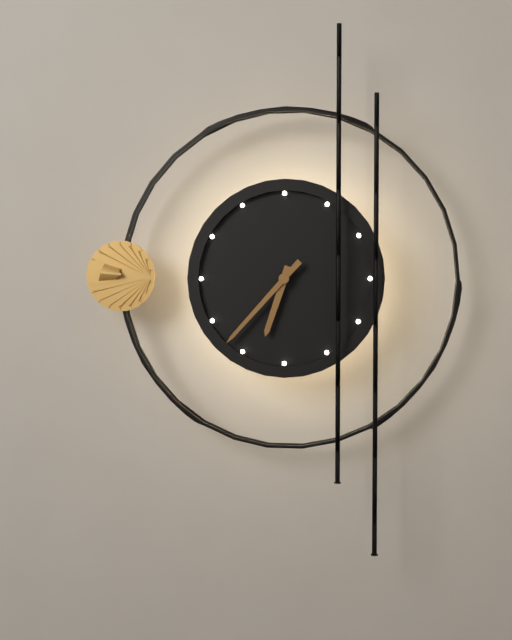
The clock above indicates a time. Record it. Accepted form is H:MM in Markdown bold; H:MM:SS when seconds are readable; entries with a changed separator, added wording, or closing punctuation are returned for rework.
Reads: **6:37**
